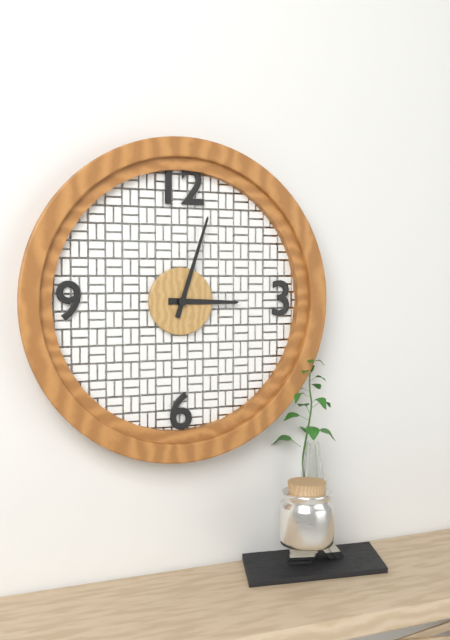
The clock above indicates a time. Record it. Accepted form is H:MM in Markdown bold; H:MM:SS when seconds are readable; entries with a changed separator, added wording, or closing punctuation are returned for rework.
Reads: **3:03**
